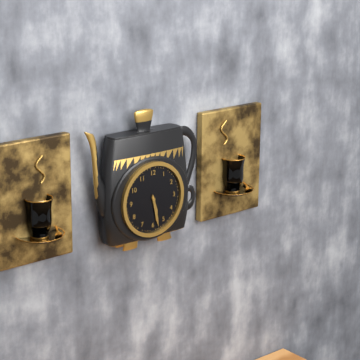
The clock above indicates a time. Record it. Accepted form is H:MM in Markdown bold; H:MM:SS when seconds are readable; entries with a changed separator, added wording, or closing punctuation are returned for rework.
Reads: **5:28**
